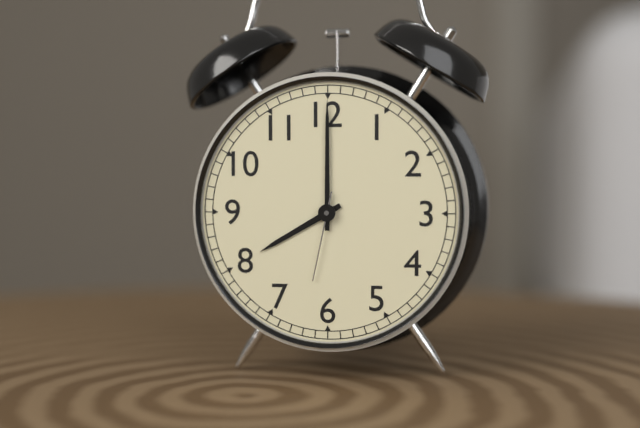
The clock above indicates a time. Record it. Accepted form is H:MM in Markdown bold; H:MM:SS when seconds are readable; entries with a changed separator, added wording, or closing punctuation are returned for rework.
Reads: **8:00:32**
